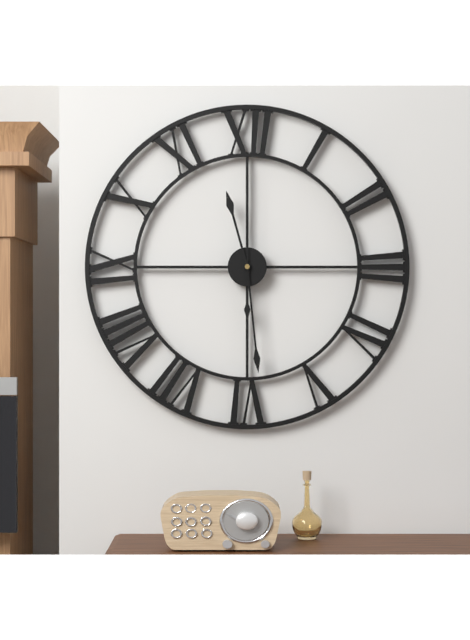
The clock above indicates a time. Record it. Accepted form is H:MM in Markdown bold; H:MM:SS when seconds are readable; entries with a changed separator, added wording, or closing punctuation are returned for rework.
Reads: **11:29:00**
